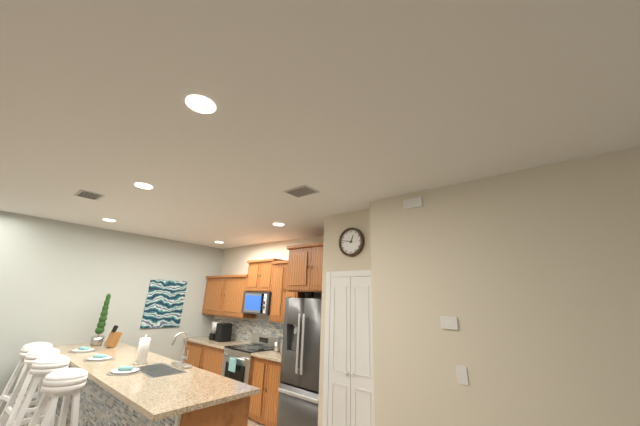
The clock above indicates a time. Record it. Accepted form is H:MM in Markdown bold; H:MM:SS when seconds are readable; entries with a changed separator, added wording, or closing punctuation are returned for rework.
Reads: **12:47**
